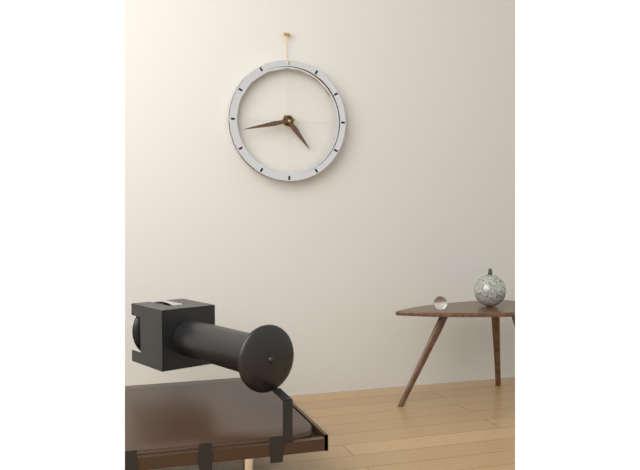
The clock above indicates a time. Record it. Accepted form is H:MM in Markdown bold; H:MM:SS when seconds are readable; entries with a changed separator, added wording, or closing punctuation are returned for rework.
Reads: **4:43**
